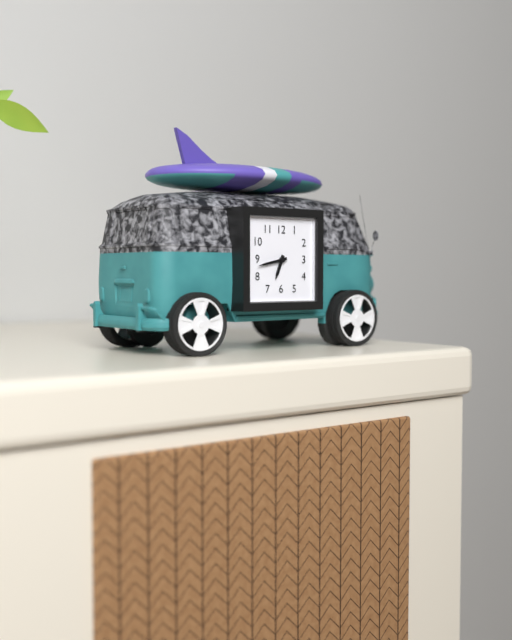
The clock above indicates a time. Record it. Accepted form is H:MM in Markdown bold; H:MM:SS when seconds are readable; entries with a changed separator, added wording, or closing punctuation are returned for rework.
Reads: **6:43**
